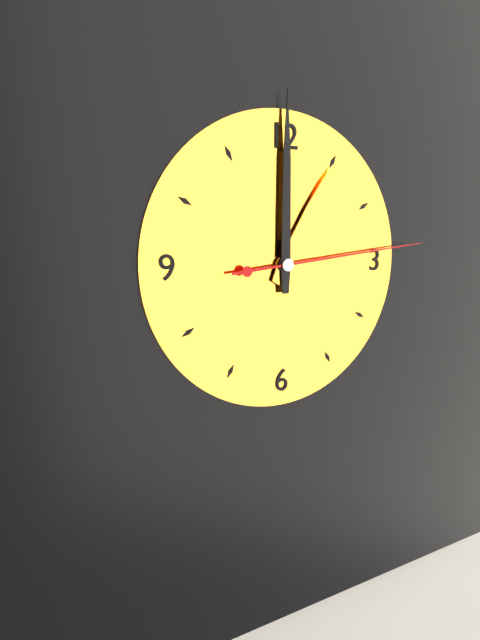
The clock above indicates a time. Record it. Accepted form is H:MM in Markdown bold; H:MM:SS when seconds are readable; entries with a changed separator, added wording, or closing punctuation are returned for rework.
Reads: **1:00:14**
